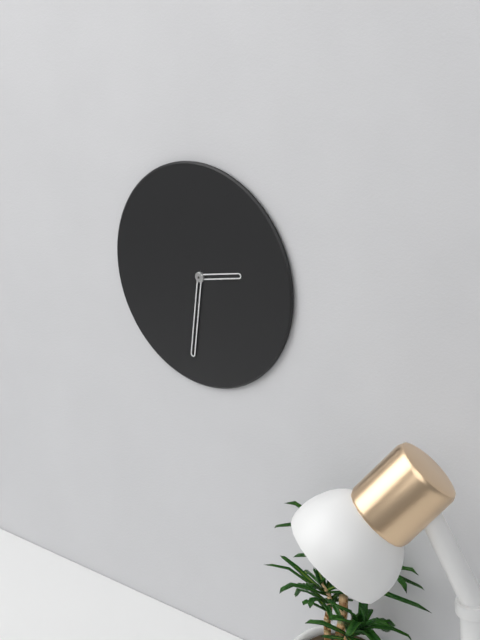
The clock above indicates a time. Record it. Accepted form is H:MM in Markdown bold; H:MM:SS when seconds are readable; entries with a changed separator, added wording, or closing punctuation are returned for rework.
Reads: **2:31**
